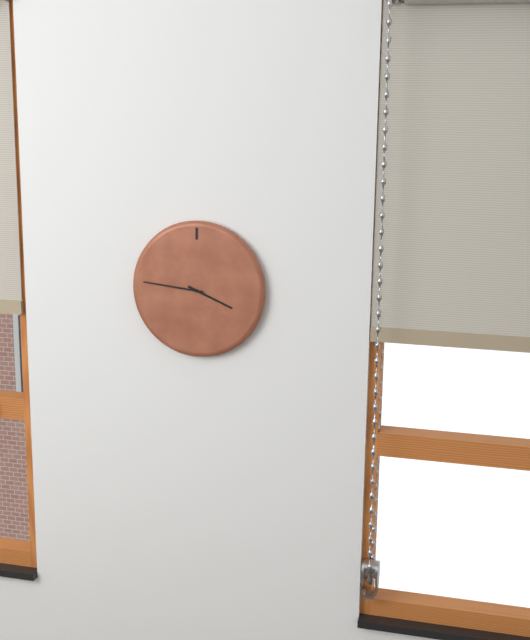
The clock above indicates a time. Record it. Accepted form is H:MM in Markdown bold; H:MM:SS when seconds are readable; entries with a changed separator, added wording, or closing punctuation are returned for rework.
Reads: **3:46**
